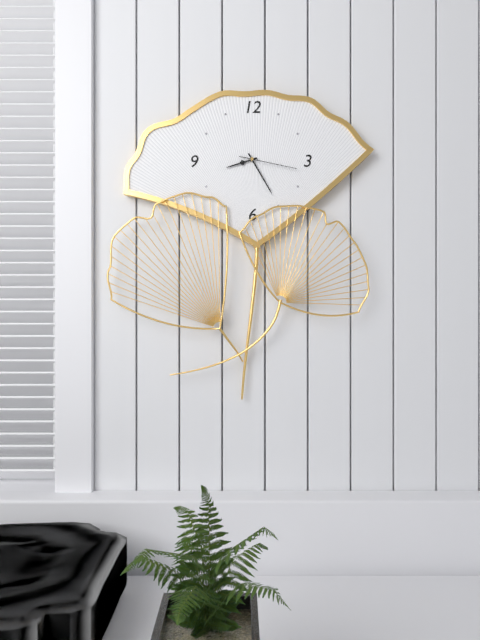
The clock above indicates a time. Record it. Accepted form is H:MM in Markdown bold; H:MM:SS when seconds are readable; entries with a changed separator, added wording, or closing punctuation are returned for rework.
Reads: **8:25:17**
